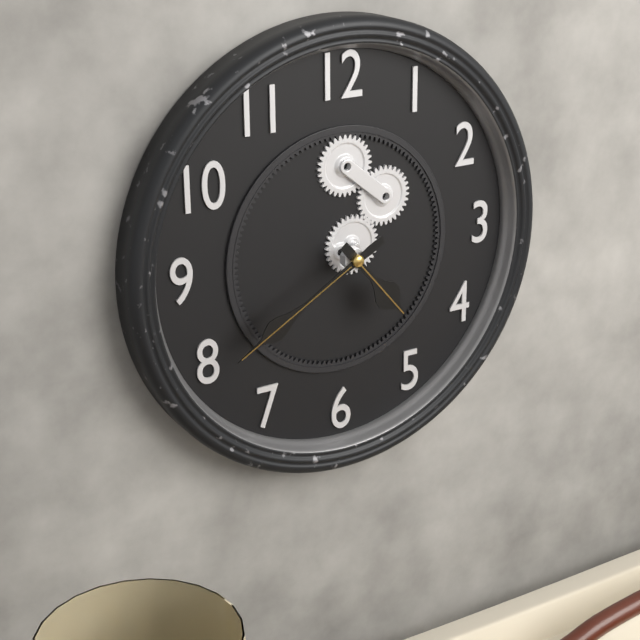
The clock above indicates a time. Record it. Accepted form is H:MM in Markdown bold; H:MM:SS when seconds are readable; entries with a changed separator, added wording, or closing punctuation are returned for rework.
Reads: **4:40**
